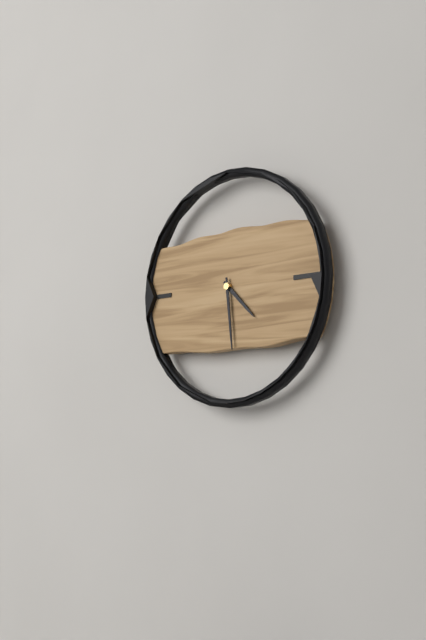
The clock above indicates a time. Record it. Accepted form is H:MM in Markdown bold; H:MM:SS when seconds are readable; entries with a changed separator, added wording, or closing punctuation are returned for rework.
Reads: **4:29**
